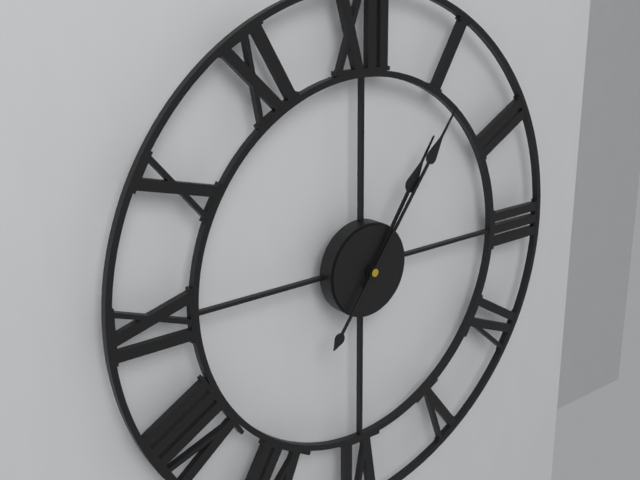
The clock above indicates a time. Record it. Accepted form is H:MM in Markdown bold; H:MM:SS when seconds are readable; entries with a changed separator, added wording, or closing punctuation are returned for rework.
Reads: **1:06**
